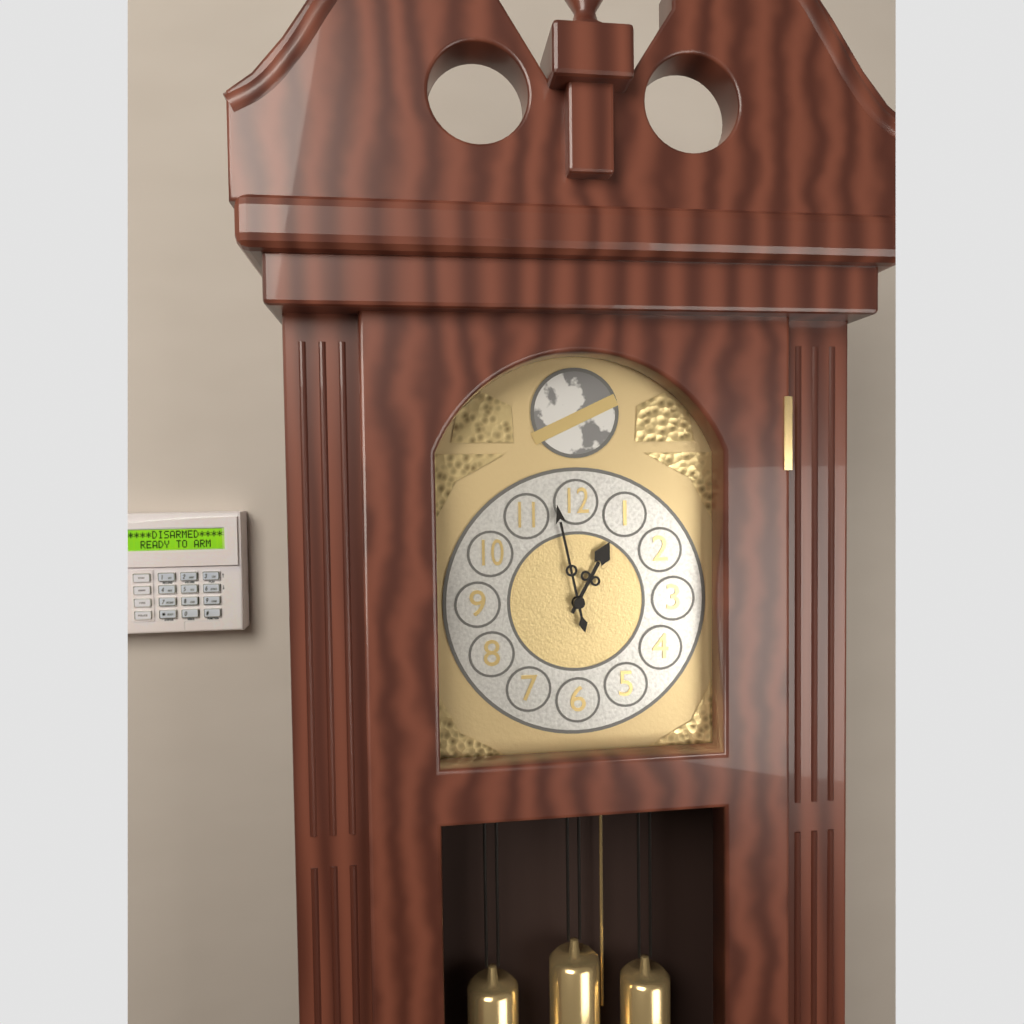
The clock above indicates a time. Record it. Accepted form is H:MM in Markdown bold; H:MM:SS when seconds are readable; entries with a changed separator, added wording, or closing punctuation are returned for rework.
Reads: **12:58**
